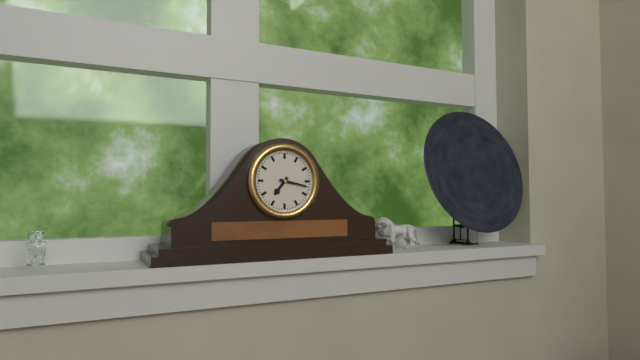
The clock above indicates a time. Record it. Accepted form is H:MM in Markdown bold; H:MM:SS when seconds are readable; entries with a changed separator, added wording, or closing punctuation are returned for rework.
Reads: **7:17**
